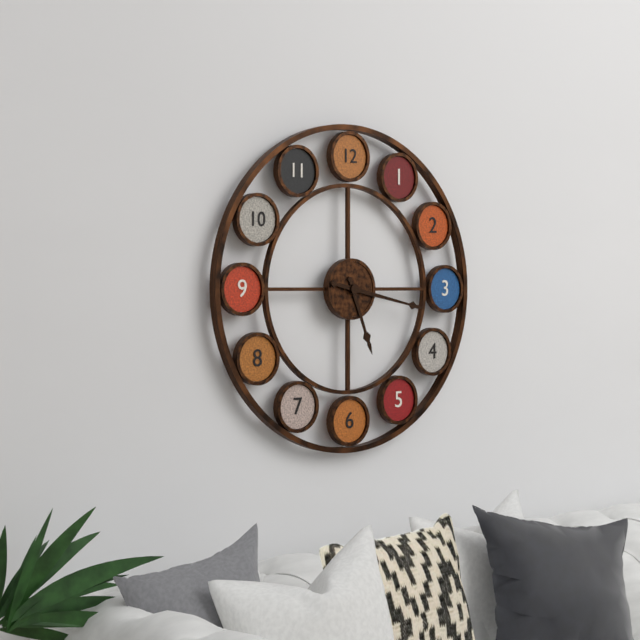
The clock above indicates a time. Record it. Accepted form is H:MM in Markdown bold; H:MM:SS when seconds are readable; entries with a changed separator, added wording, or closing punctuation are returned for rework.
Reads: **5:17**
